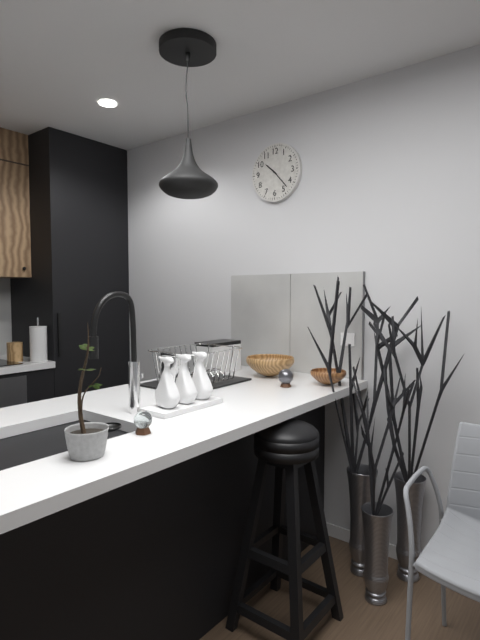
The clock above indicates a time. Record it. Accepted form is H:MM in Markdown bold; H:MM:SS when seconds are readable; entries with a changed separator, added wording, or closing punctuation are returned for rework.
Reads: **10:23**
